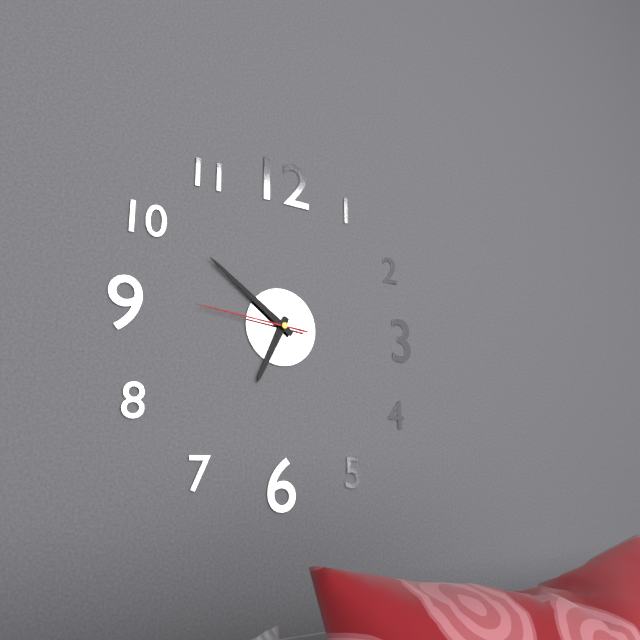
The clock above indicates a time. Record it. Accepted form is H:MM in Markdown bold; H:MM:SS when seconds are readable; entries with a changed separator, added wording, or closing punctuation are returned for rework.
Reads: **6:51:46**
